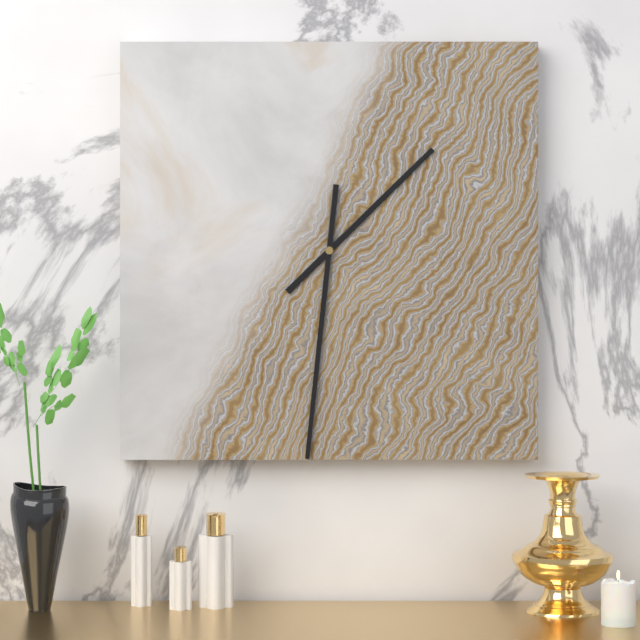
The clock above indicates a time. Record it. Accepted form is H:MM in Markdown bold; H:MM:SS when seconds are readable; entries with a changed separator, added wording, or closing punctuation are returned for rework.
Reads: **1:31**
